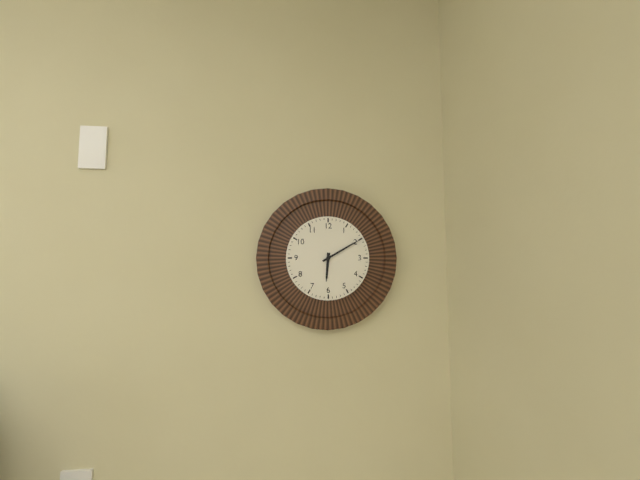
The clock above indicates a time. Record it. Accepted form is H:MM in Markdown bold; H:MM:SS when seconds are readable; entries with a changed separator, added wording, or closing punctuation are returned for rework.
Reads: **6:10**
